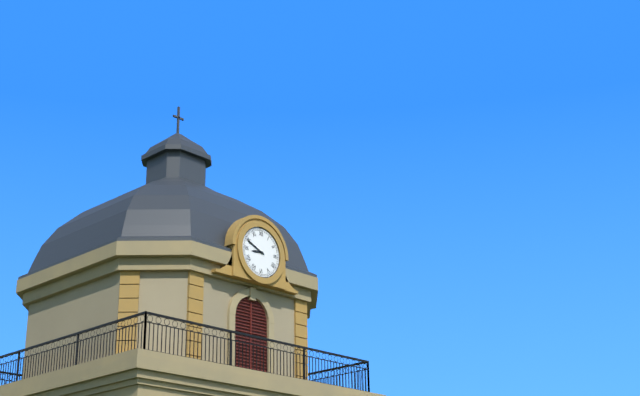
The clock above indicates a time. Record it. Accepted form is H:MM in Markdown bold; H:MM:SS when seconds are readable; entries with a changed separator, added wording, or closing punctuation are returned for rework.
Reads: **8:49**
